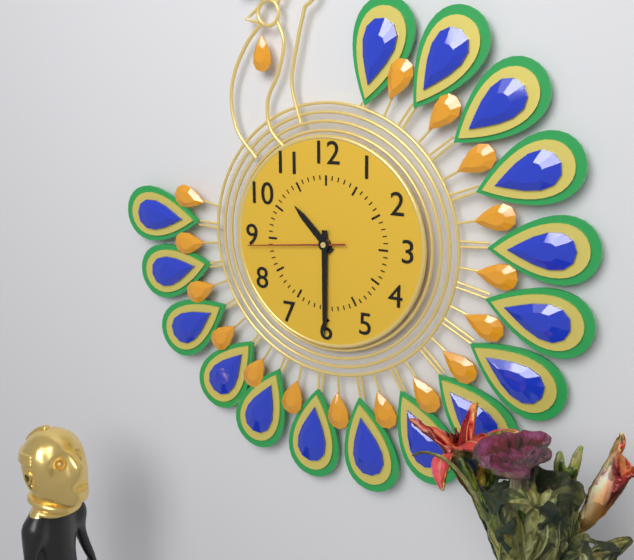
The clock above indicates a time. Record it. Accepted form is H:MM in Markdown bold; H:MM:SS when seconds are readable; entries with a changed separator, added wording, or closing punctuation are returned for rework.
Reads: **10:30:44**
